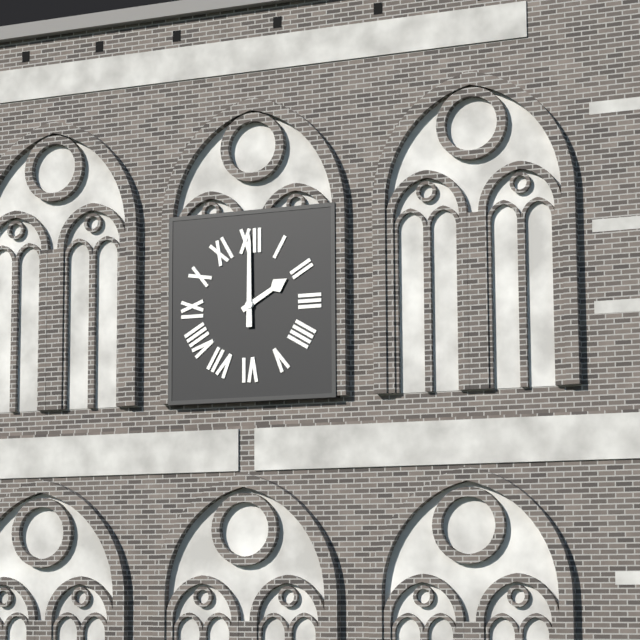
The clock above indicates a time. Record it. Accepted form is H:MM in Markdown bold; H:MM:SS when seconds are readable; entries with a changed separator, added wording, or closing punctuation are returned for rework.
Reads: **2:00**
